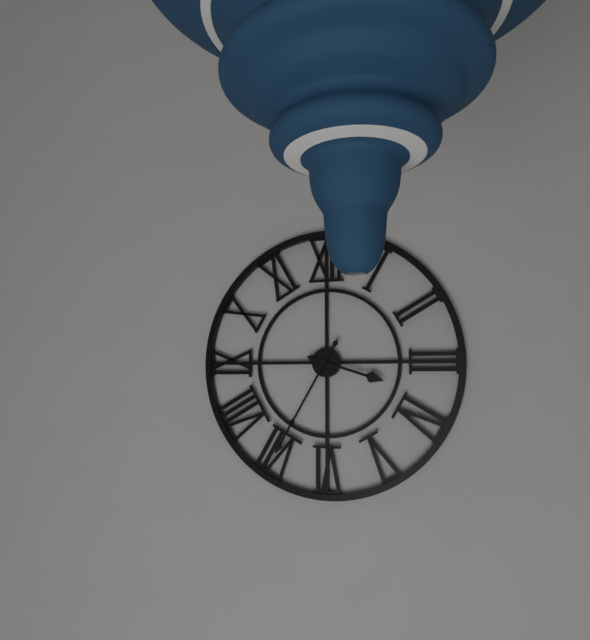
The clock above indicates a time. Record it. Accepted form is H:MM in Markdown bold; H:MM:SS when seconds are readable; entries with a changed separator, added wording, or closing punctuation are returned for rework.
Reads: **3:35**
